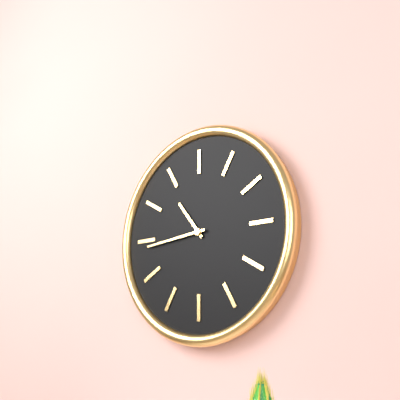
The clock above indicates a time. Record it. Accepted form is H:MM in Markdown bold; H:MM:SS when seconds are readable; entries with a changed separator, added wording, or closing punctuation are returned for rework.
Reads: **10:44**
